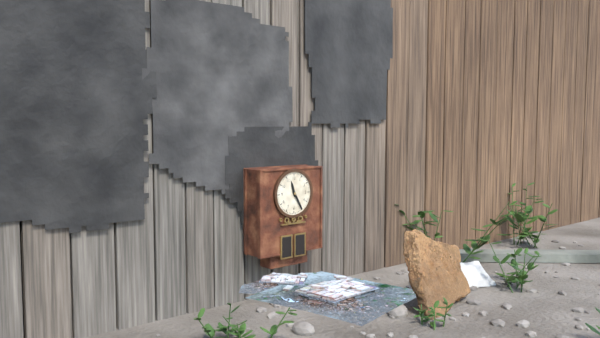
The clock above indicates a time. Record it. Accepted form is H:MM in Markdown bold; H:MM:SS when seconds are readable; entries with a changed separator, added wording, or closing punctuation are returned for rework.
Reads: **11:25**
